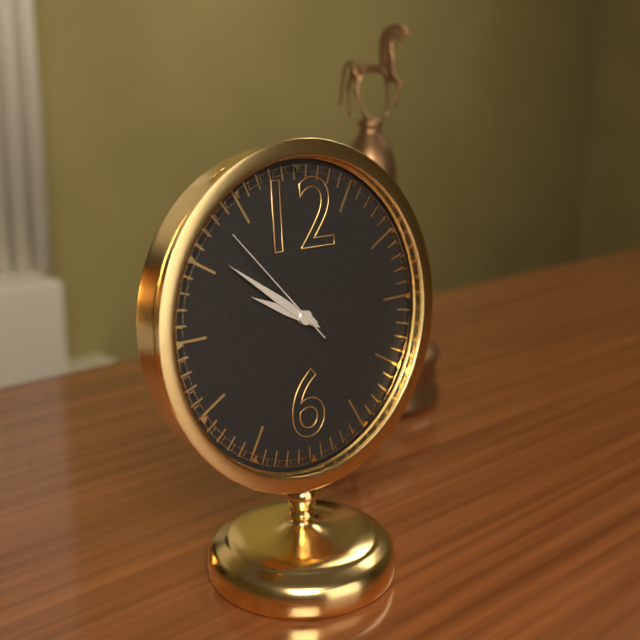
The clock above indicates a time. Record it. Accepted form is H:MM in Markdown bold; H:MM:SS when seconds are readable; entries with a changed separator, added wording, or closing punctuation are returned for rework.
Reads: **9:51:53**
